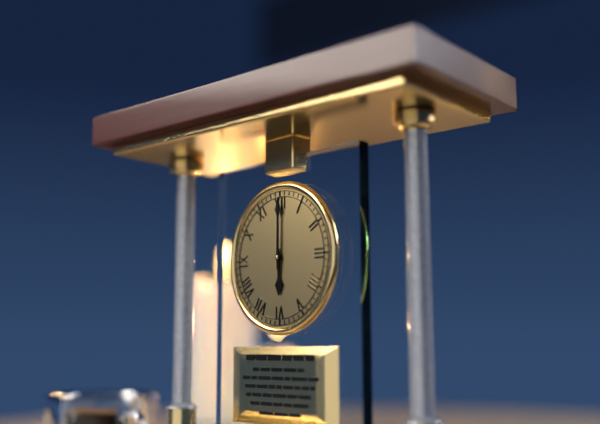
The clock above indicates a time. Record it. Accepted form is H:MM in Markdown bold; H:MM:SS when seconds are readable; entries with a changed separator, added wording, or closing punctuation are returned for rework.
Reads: **6:00**
